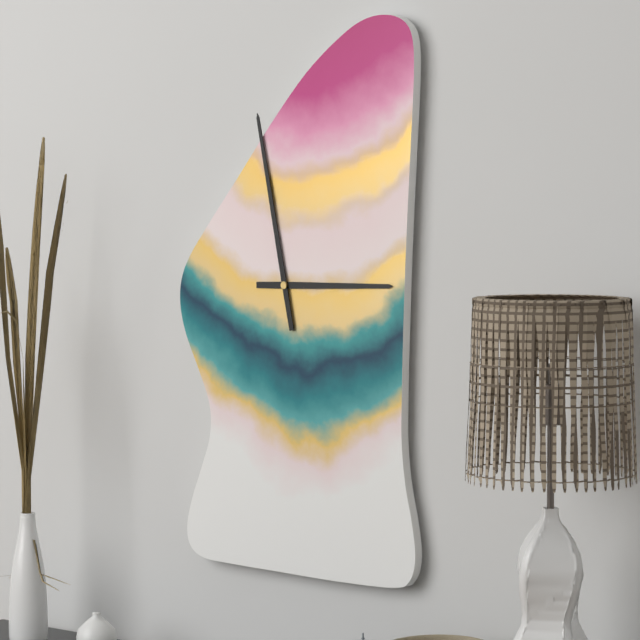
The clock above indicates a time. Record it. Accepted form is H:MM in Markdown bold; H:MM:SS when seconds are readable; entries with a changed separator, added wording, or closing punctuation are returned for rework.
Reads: **2:58**
